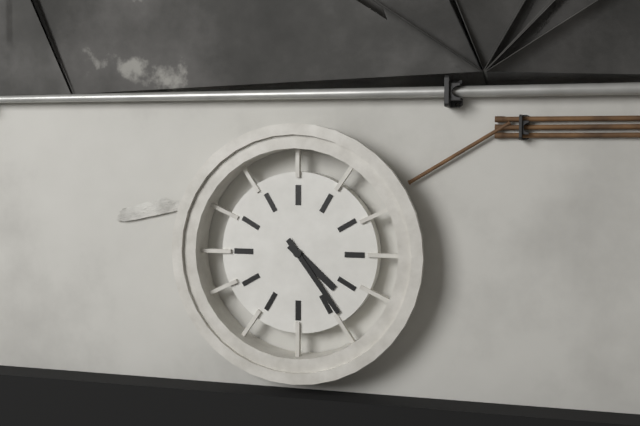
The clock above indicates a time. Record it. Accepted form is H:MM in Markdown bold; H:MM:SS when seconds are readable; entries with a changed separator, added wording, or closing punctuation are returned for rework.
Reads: **4:24**
